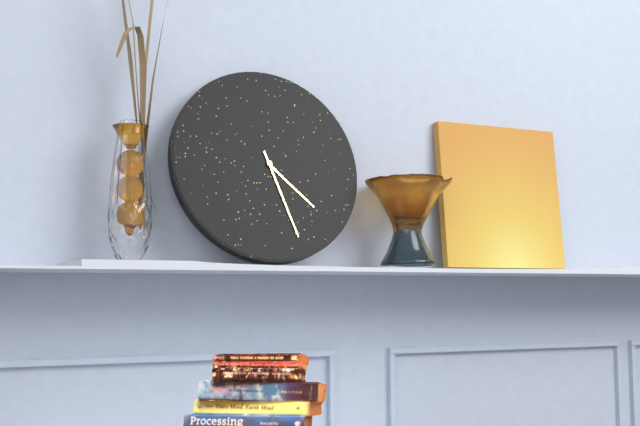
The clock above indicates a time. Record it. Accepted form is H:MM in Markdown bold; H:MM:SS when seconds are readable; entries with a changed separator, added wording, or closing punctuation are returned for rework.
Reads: **4:27**
